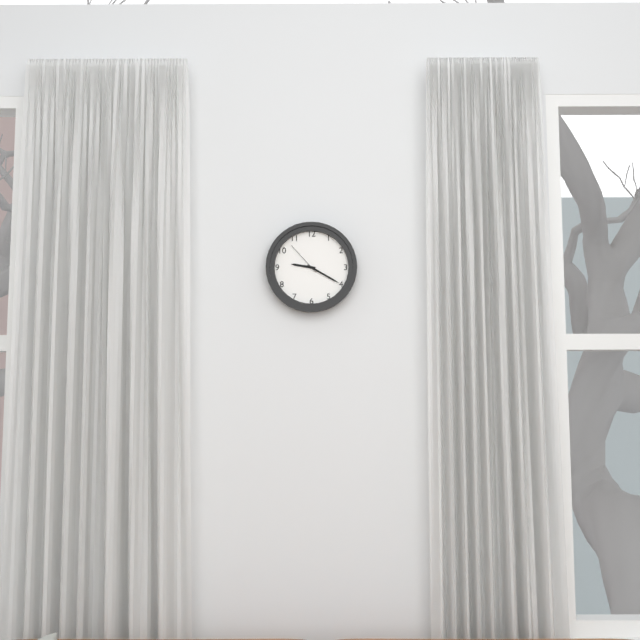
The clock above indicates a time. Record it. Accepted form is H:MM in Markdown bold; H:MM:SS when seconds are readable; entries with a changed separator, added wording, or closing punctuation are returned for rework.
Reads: **9:20**
